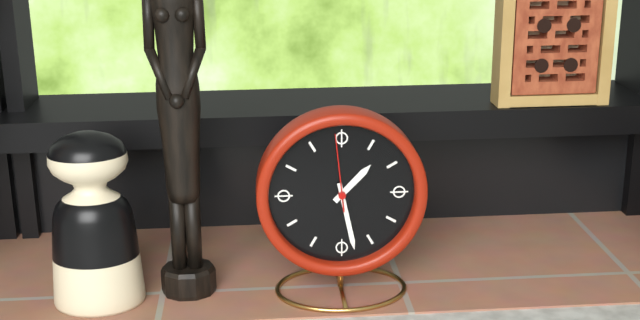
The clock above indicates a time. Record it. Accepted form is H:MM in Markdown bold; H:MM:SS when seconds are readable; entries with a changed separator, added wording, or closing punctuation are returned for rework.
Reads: **1:28:59**
